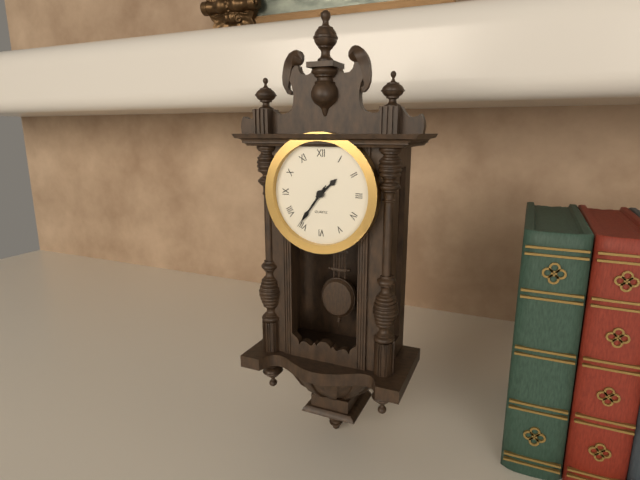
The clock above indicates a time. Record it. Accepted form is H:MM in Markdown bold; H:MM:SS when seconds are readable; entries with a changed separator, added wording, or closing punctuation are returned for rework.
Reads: **1:36:36**
